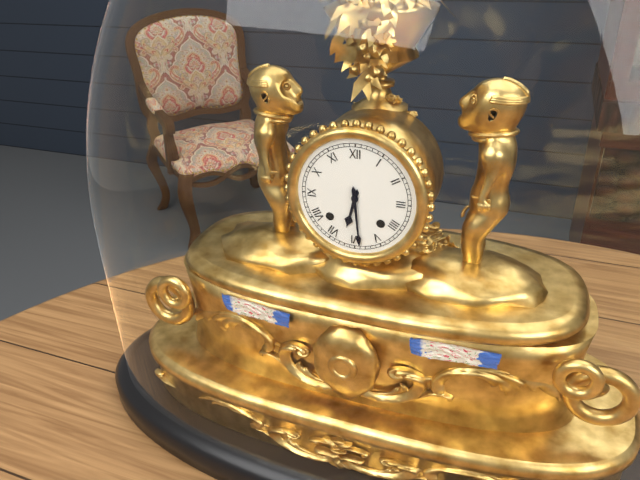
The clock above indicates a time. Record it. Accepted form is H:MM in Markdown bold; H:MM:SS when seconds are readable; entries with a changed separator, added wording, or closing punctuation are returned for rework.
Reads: **6:29**
